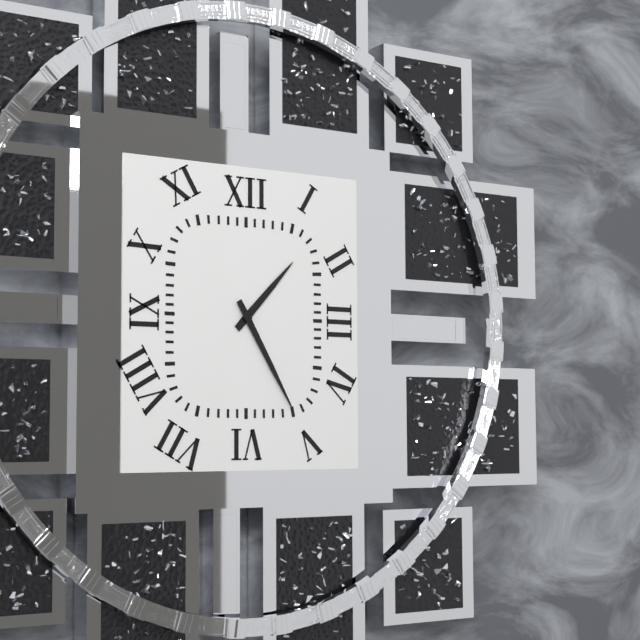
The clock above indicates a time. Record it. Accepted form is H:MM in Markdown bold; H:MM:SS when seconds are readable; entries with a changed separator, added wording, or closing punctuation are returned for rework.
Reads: **1:25**
